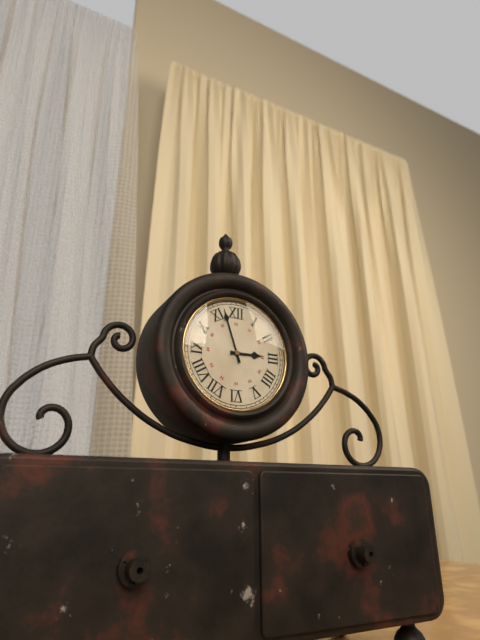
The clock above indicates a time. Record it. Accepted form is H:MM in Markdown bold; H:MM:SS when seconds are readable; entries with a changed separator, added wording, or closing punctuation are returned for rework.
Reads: **2:57**
